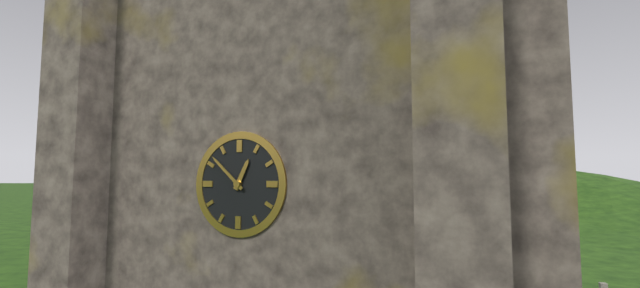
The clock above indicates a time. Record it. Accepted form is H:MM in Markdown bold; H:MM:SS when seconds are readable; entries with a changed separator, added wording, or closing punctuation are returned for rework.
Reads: **12:52**
